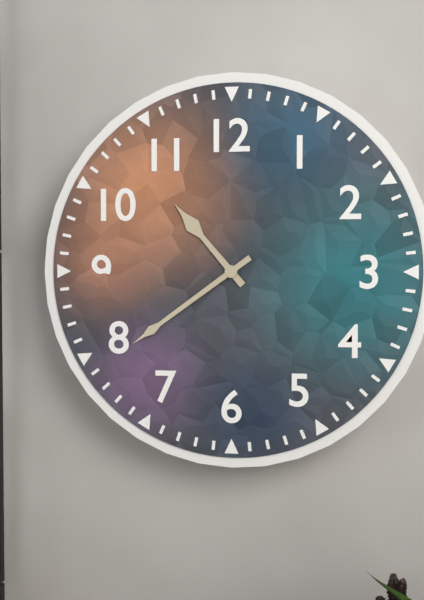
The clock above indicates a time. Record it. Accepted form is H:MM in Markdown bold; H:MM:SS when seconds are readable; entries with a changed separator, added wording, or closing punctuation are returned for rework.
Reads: **10:39**
